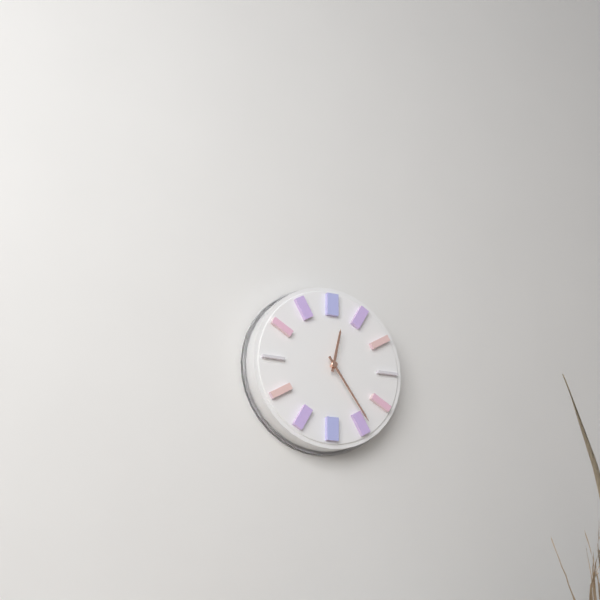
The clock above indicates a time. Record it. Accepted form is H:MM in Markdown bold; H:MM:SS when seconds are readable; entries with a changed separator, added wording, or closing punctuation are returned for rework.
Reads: **12:24**
